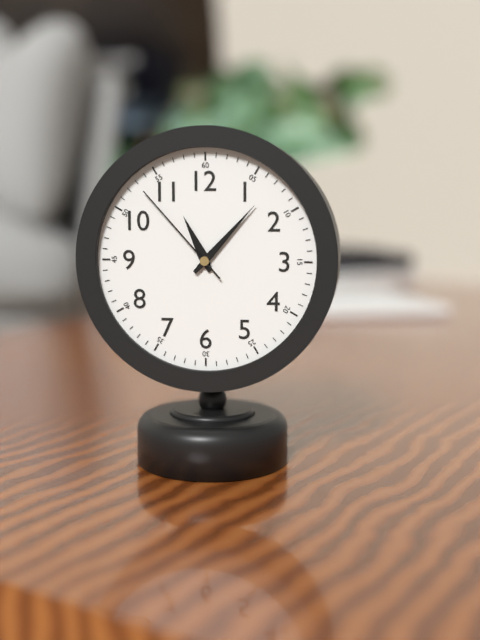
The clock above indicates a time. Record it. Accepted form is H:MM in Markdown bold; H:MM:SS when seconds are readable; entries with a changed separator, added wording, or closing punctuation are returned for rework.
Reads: **11:07:53**
